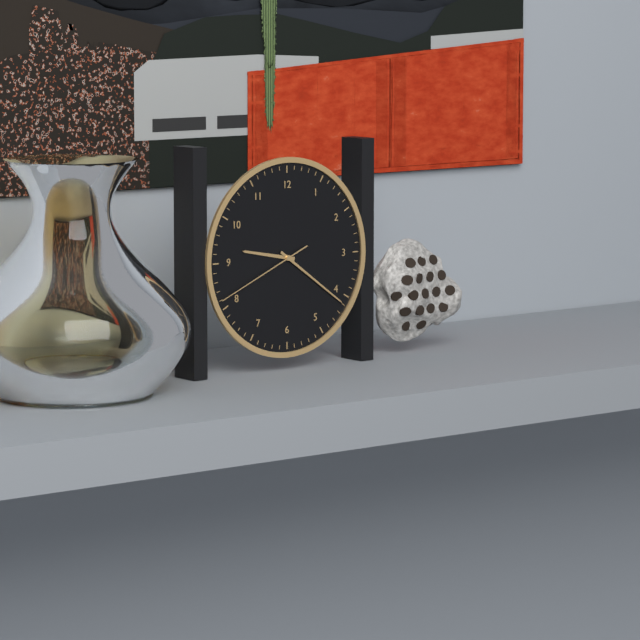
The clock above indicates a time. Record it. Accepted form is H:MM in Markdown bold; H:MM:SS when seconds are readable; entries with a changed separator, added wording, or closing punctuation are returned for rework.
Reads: **9:21:41**
